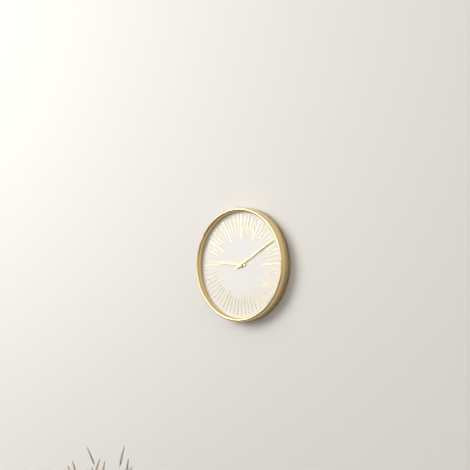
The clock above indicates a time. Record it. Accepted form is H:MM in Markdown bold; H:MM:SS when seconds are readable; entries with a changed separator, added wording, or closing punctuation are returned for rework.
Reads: **9:10**
